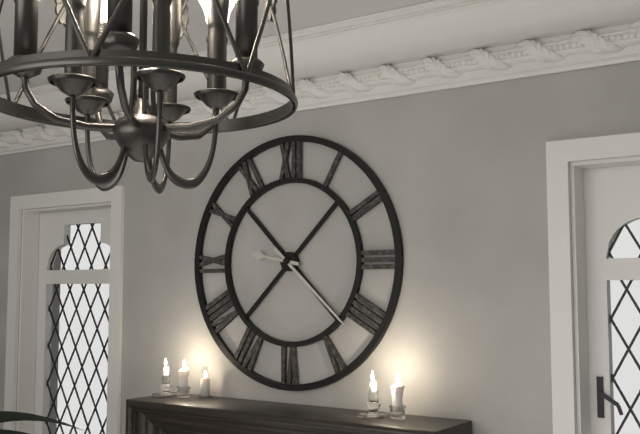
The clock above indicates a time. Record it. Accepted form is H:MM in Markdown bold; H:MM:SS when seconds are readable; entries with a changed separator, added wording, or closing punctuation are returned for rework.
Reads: **9:22**
